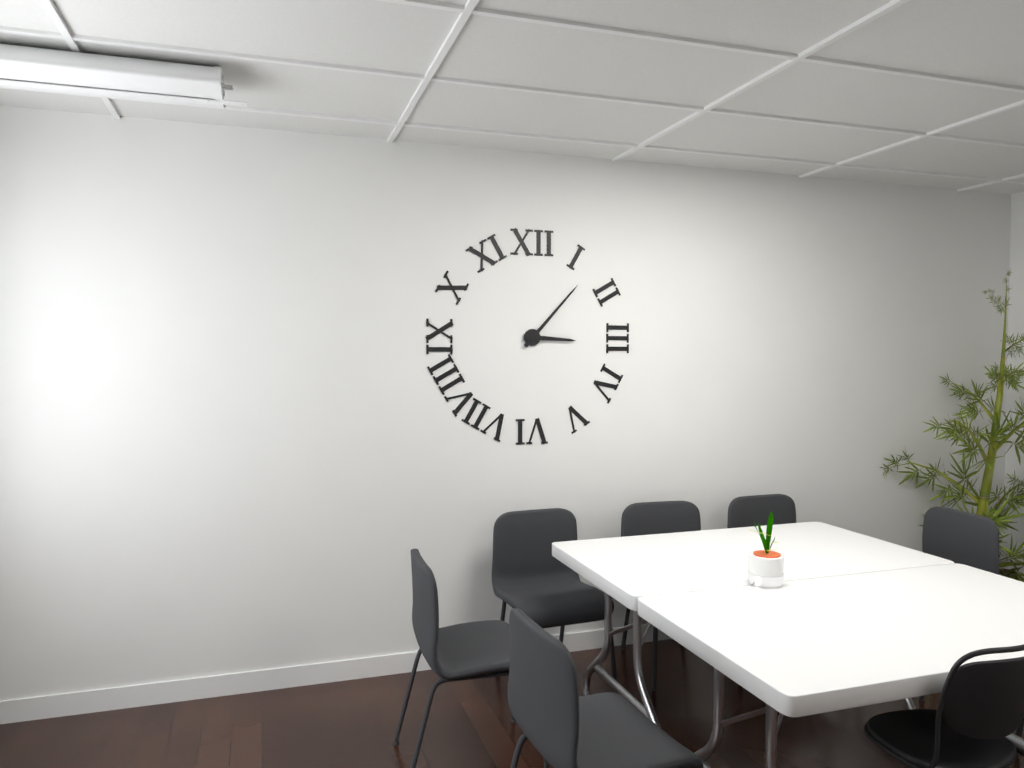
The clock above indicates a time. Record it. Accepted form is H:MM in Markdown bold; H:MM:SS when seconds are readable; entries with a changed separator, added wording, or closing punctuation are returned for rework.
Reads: **3:07**
